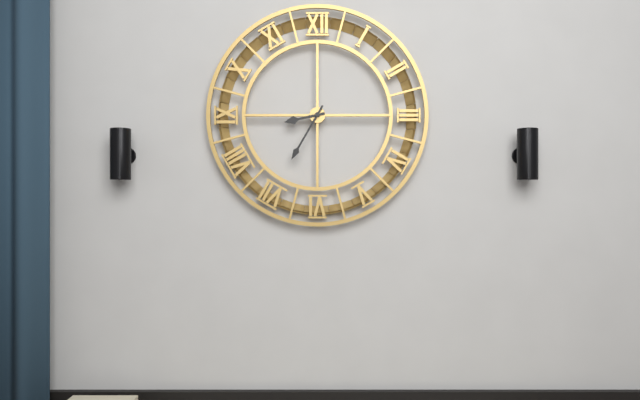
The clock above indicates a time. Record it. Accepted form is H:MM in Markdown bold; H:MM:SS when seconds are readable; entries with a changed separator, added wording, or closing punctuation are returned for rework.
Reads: **8:35**
